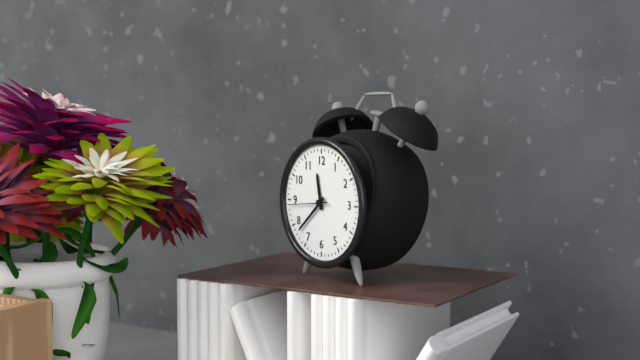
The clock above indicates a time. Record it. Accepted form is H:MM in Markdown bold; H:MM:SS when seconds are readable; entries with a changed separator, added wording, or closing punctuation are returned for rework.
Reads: **11:38**
